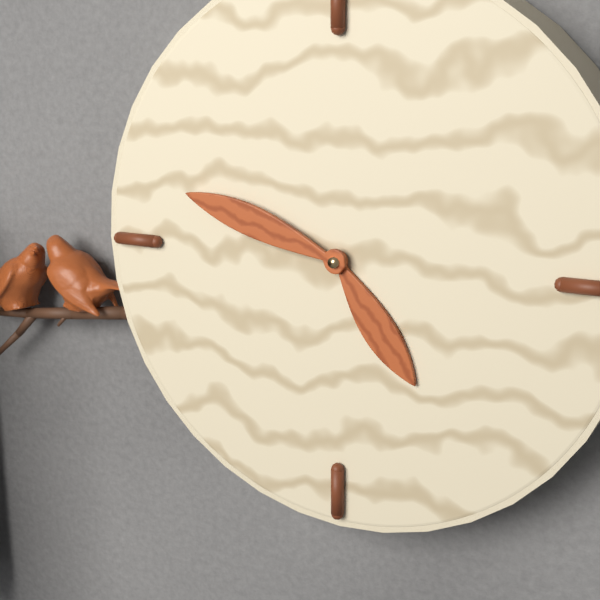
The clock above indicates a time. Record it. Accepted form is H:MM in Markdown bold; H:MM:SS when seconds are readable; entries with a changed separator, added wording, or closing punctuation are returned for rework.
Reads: **4:48**
